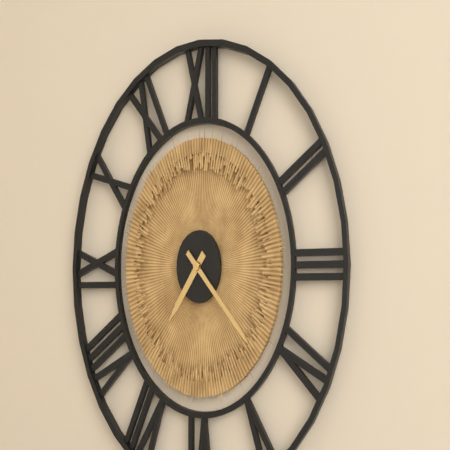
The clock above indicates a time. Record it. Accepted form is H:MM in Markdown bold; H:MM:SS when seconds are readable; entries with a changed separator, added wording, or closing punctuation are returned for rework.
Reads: **7:22**
